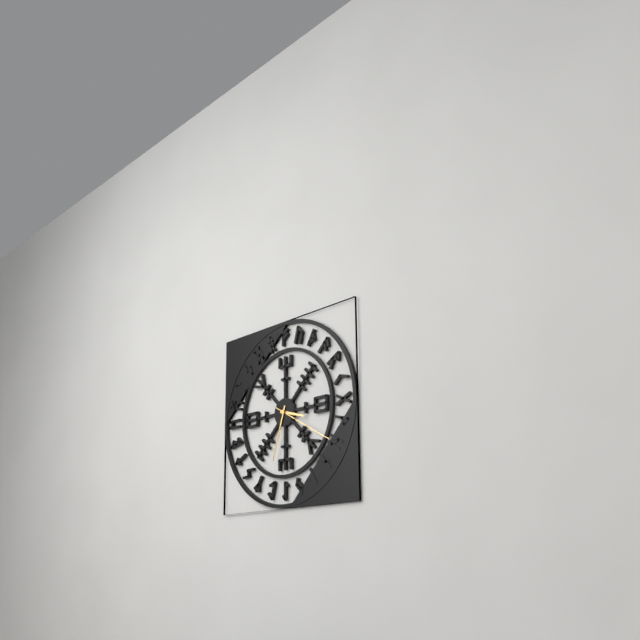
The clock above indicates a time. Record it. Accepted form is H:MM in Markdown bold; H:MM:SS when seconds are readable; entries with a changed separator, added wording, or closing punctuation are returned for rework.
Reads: **3:33:20**
